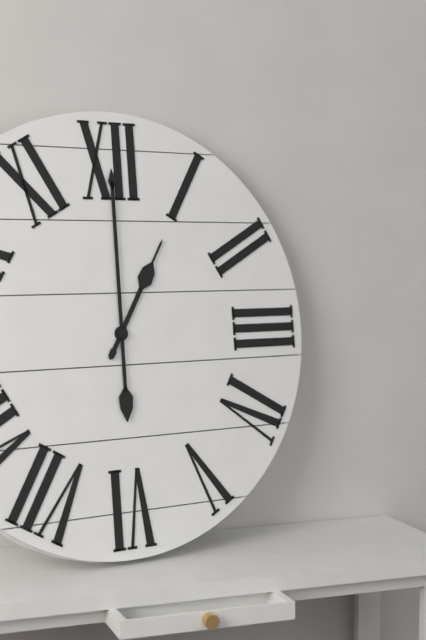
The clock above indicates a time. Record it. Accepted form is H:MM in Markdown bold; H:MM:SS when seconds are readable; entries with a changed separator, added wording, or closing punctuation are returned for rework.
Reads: **1:00**
